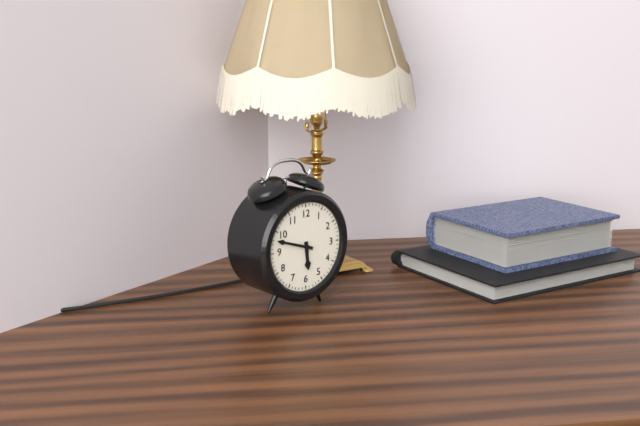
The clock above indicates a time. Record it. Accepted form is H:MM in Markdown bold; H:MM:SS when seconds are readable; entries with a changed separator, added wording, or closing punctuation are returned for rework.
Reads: **5:48**
